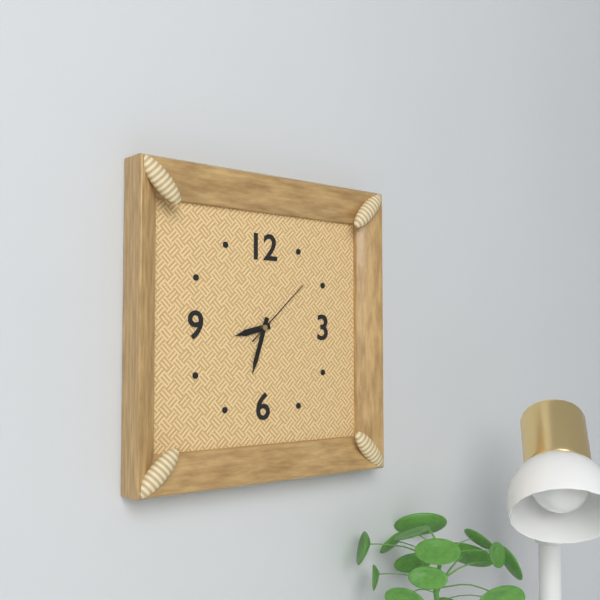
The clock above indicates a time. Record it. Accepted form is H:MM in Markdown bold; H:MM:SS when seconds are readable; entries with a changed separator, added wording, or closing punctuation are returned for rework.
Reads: **8:33:08**
